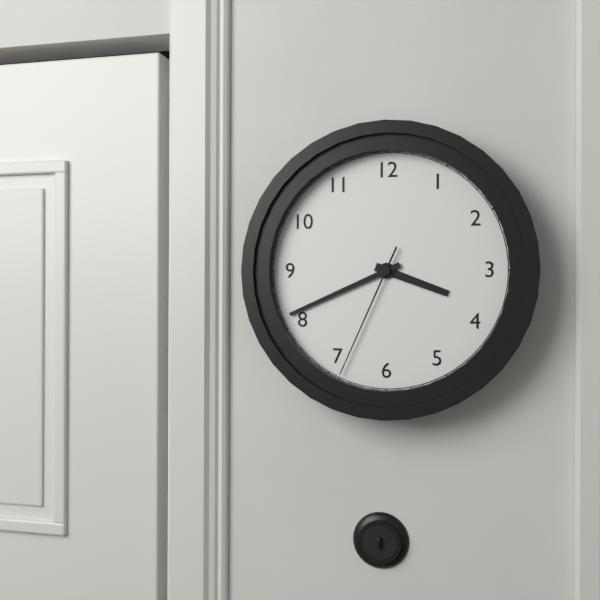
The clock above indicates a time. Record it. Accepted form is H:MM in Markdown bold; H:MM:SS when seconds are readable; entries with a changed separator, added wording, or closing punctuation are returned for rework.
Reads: **3:41:34**
